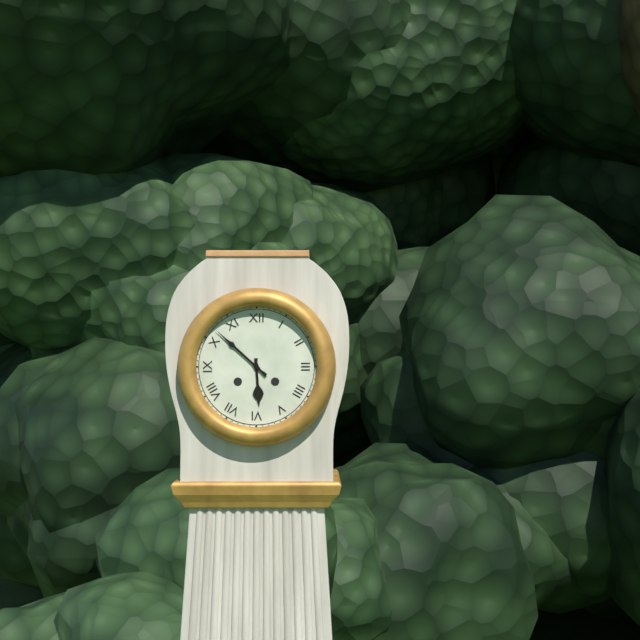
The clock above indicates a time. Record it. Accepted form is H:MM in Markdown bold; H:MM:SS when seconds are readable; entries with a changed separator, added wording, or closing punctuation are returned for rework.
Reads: **5:52**
